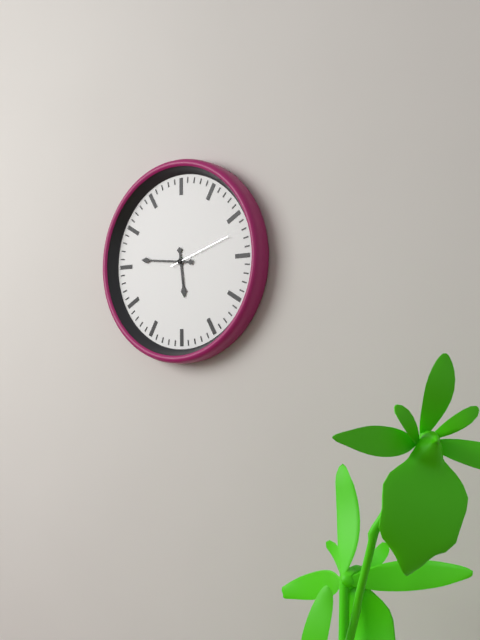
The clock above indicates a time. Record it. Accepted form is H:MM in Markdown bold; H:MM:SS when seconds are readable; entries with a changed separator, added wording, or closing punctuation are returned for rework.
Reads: **5:46:12**
